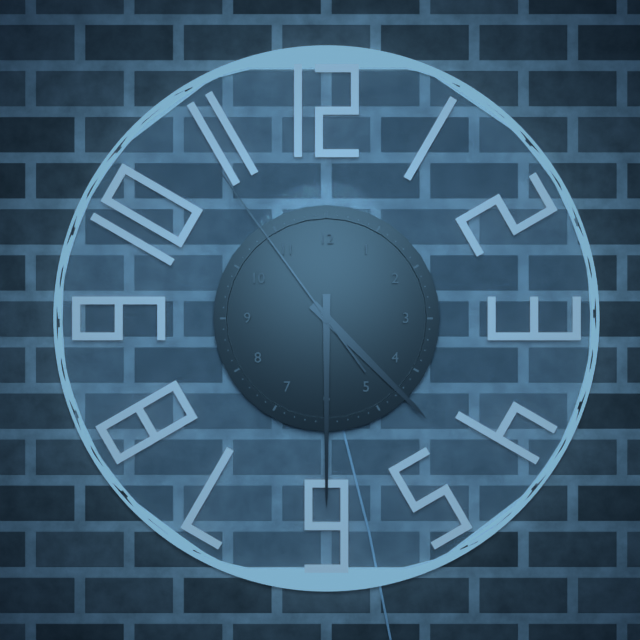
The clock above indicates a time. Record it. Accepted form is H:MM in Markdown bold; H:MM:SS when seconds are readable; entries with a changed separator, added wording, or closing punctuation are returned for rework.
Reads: **4:30:54**
